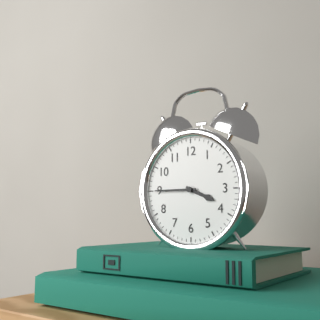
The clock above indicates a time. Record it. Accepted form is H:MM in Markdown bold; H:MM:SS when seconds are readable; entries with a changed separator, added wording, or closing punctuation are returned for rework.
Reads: **3:45**
